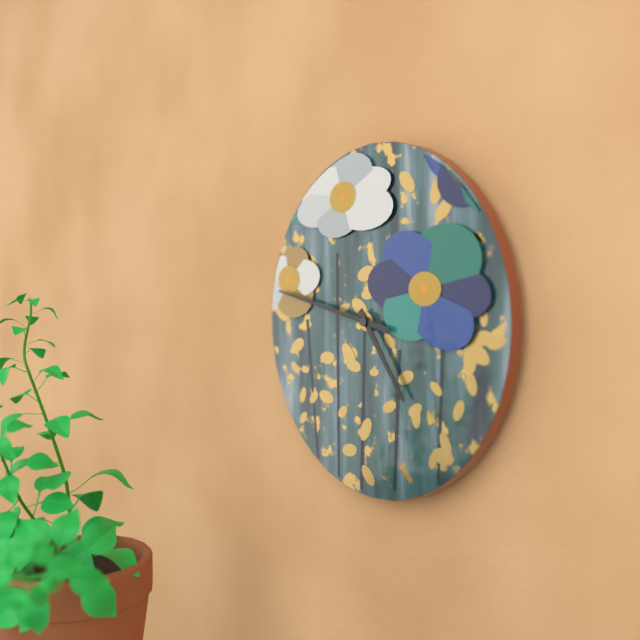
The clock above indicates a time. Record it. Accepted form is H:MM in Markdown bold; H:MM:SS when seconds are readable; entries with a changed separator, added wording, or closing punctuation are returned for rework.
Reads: **4:47**
